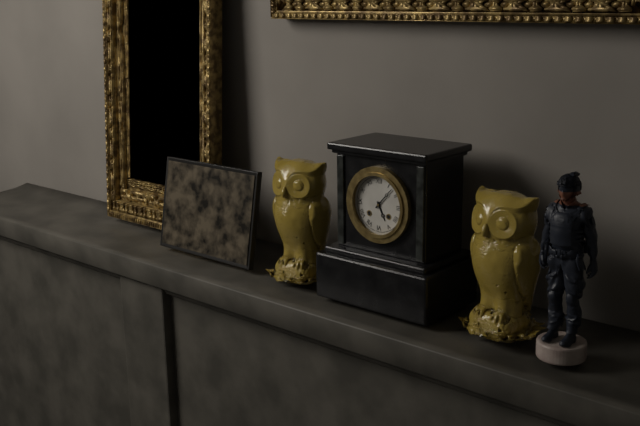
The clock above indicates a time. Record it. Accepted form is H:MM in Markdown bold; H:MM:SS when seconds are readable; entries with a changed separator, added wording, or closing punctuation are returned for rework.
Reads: **5:07**
